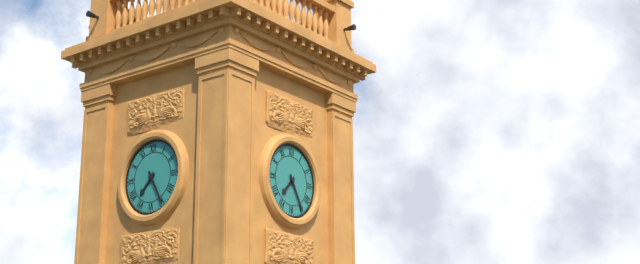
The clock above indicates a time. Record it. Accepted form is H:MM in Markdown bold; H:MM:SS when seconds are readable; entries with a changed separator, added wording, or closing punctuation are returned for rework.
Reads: **7:25**
